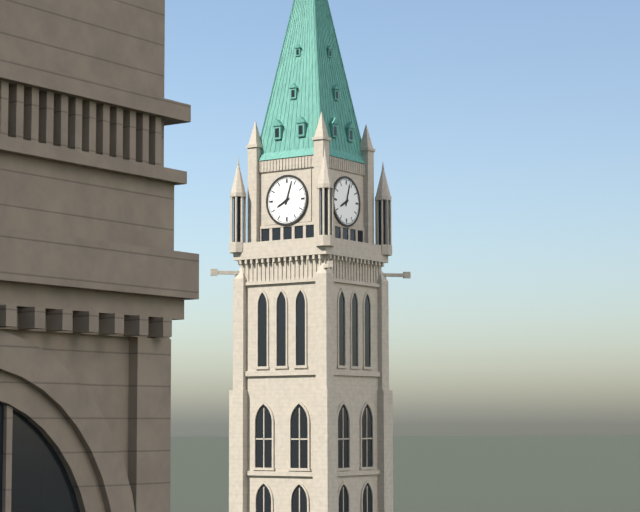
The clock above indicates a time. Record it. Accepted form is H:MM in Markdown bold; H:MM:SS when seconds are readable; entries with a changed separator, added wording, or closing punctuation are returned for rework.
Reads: **8:03**
